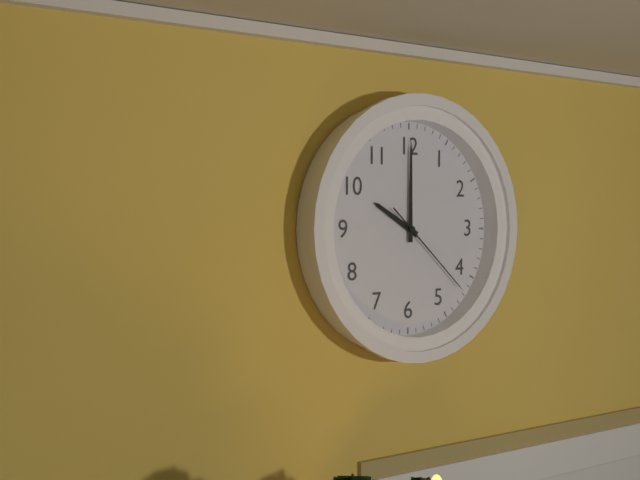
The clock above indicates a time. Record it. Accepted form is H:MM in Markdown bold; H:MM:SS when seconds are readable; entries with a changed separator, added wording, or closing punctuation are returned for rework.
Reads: **10:00:22**
